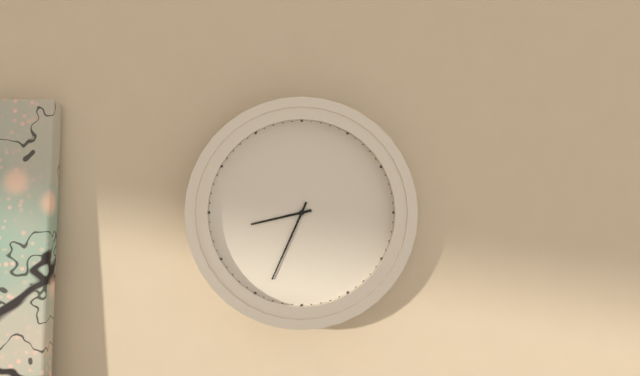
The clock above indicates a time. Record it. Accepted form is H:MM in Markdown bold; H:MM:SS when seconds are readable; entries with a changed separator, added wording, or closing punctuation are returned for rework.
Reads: **8:34**
